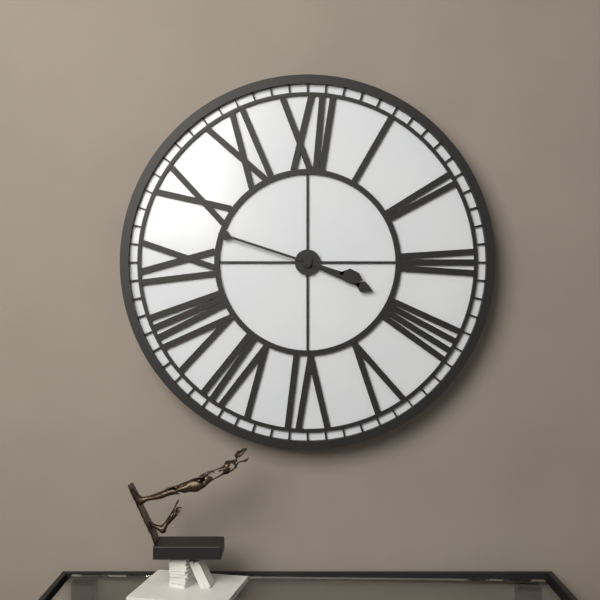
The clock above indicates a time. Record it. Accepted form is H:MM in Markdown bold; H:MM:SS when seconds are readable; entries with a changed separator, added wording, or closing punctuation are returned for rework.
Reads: **3:48**
